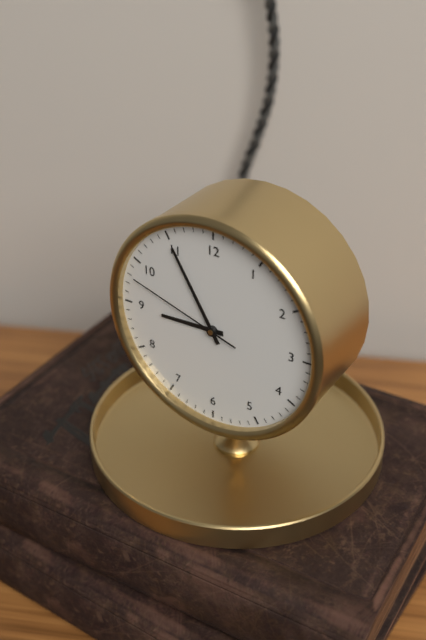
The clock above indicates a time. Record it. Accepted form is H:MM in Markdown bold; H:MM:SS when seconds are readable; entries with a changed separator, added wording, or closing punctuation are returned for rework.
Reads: **8:55:48**
